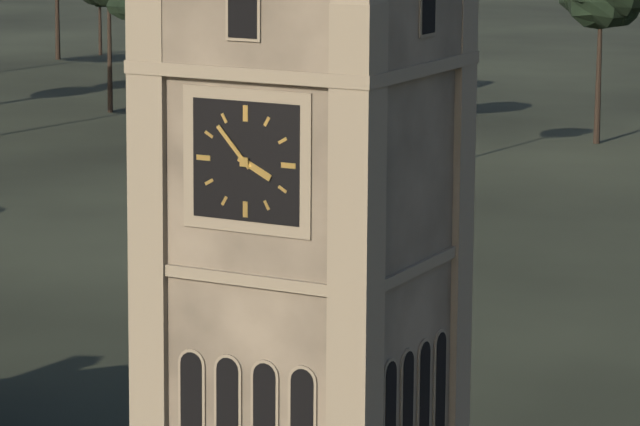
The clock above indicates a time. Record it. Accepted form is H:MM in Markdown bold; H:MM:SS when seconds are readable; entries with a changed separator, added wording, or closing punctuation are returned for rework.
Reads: **3:53**
